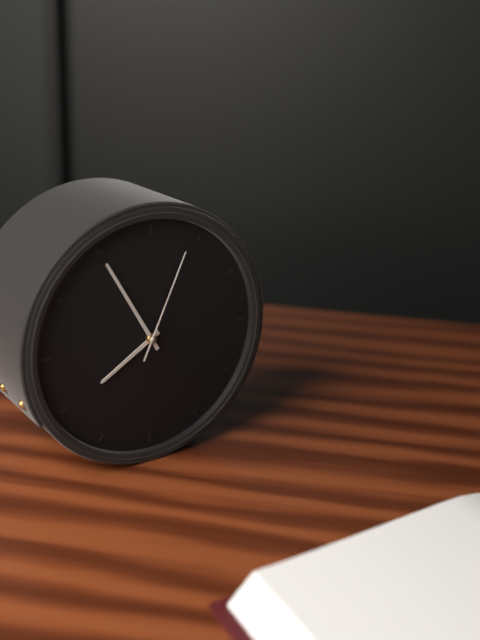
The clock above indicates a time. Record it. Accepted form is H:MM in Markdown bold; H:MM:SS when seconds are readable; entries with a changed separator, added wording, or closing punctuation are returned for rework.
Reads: **7:55:04**
